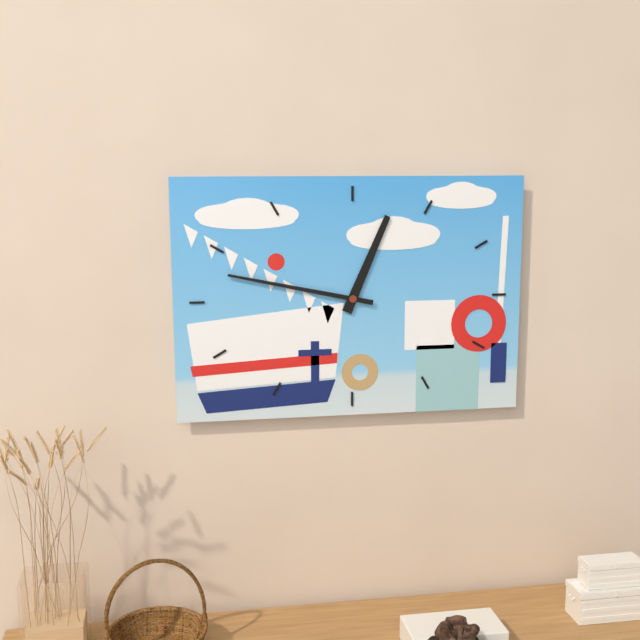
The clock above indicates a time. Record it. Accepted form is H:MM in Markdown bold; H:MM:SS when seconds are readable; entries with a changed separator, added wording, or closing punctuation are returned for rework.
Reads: **12:47**
